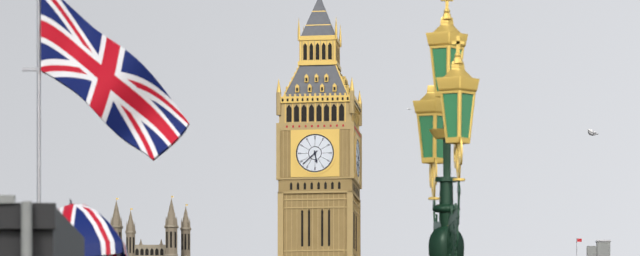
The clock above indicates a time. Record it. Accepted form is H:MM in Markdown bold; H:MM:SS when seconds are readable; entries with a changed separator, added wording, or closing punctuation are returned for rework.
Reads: **5:38**
